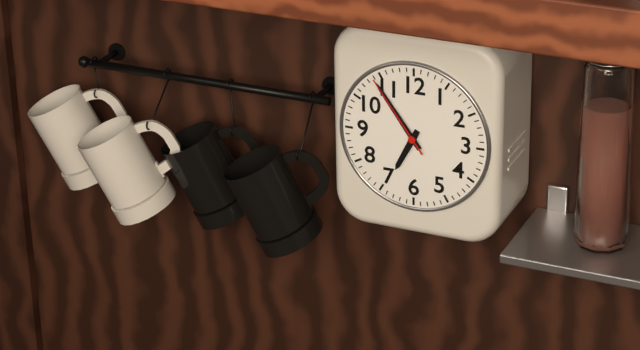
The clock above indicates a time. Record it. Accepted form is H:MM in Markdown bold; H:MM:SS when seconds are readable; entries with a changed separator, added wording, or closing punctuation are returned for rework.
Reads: **6:54:54**
